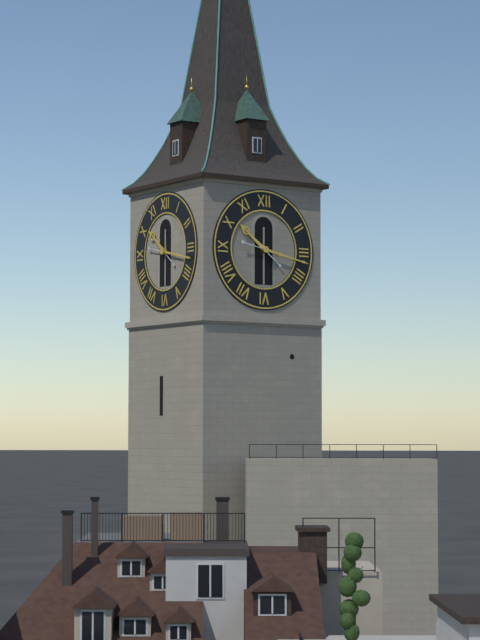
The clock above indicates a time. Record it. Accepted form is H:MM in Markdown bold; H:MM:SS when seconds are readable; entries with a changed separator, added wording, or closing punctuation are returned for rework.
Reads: **10:17**
